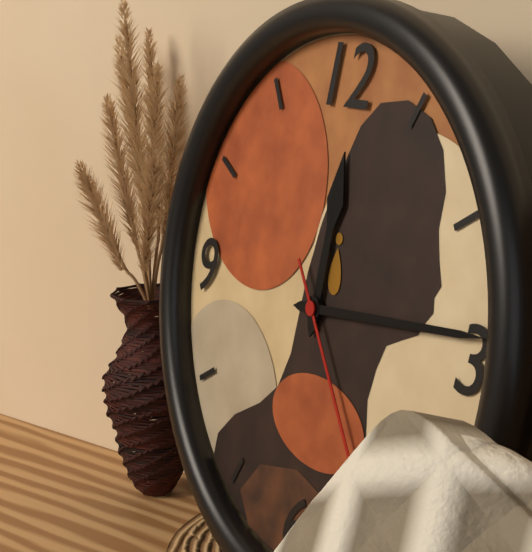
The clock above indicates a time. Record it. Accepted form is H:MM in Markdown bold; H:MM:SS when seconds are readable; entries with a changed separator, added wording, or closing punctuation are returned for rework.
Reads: **12:14:24**
